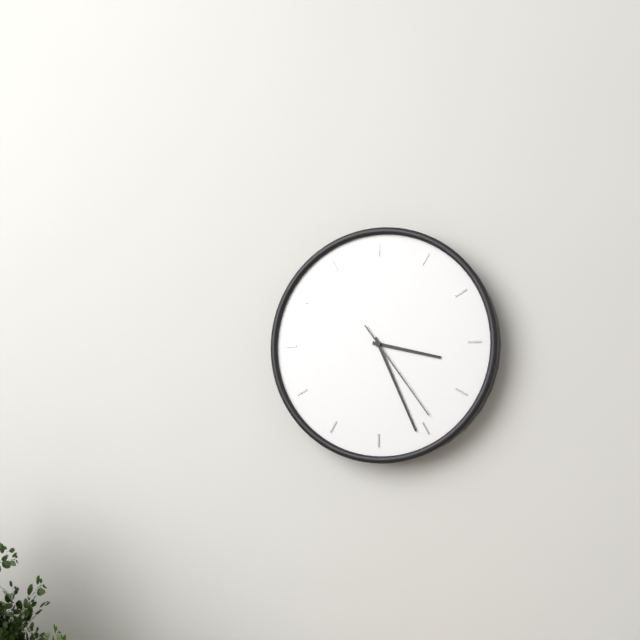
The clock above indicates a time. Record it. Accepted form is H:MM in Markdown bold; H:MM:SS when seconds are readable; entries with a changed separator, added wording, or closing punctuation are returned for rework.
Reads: **3:26:24**
